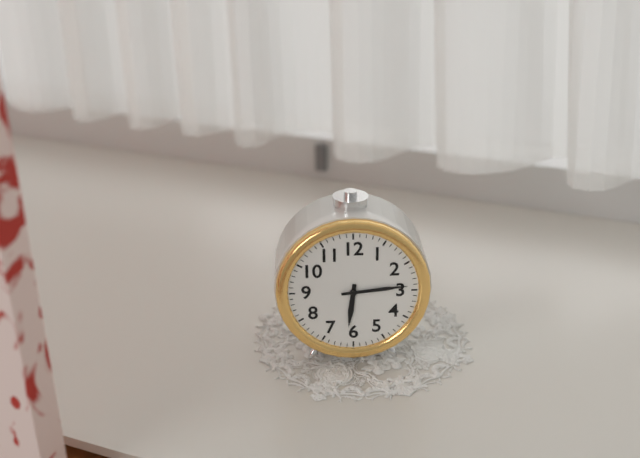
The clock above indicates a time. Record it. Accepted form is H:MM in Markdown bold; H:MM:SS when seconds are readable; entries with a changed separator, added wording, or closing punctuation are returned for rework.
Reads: **6:14**
